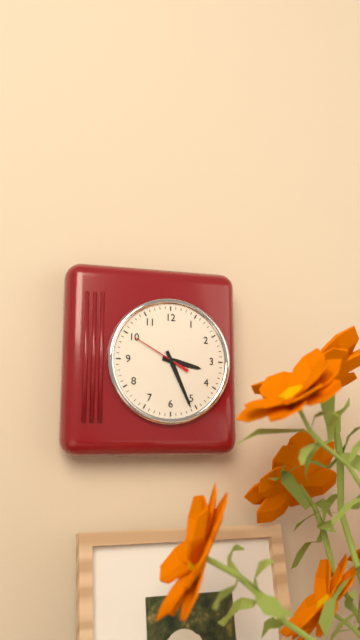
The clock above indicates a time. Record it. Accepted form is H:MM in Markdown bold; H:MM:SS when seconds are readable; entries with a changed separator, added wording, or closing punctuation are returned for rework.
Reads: **3:26:50**
